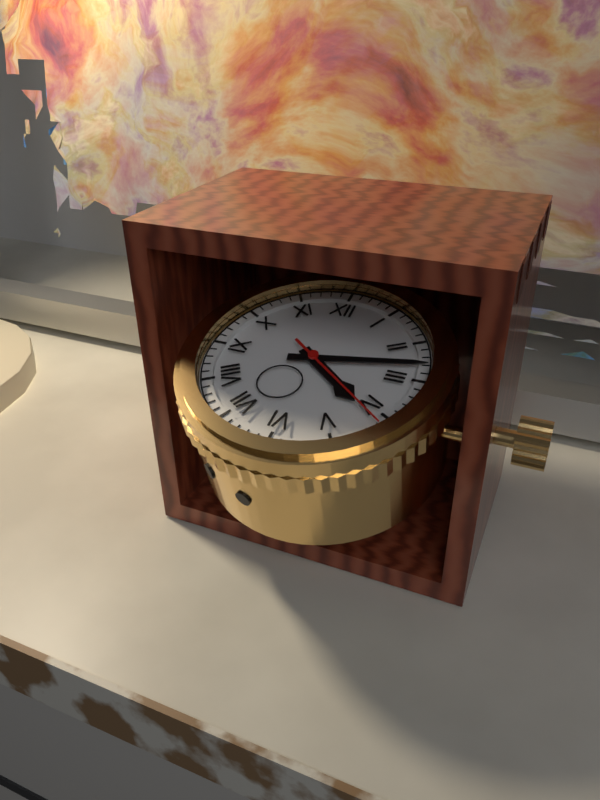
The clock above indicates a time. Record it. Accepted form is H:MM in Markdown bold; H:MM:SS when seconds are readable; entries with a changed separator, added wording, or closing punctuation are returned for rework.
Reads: **4:13:21**
